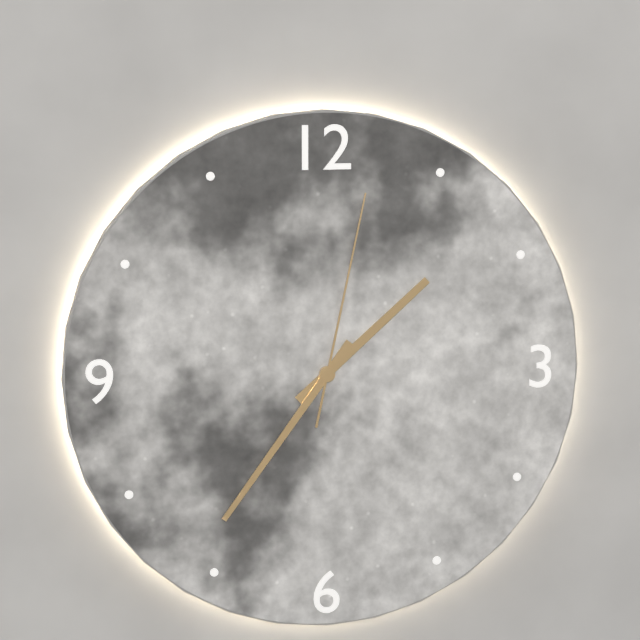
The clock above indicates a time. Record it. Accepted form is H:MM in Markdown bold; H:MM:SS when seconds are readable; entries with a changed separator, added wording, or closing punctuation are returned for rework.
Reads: **1:36:02**
